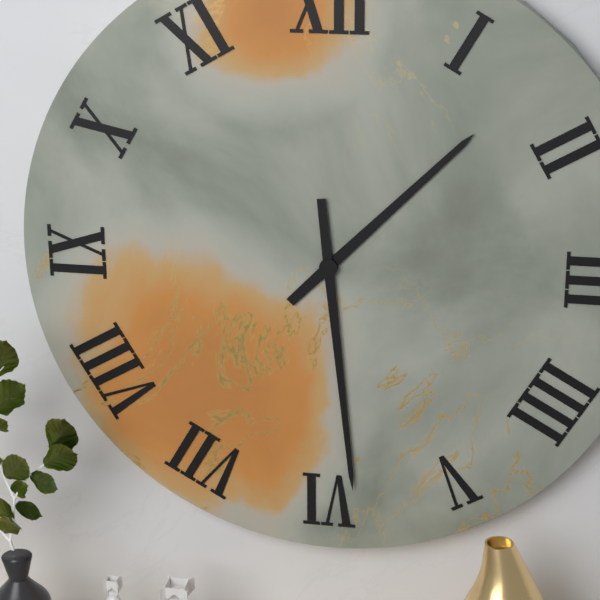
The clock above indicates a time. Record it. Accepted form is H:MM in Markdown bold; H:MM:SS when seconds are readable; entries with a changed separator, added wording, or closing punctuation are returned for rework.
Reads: **1:29**
